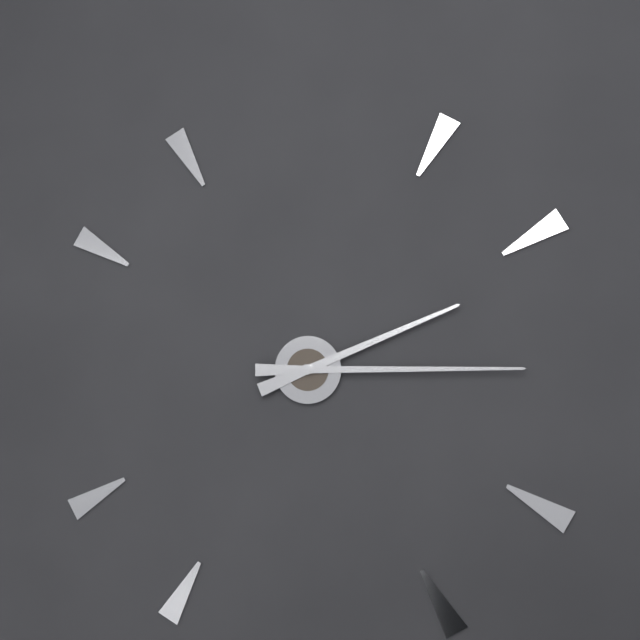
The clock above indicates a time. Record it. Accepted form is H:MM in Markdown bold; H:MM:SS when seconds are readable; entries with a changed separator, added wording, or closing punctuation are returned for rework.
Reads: **2:15**
